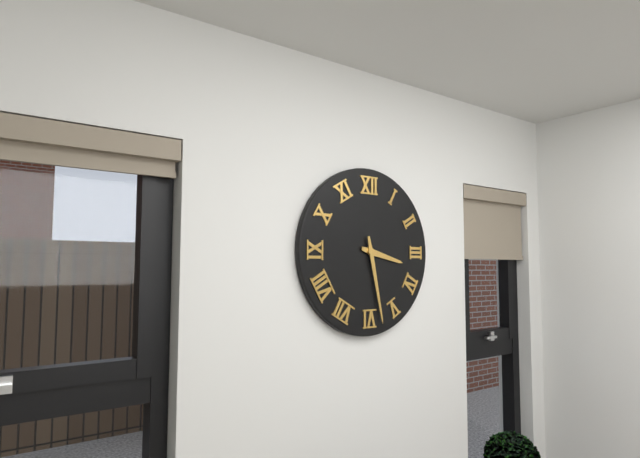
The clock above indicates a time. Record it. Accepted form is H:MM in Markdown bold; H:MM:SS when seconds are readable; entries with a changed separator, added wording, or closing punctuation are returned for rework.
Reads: **3:28**
